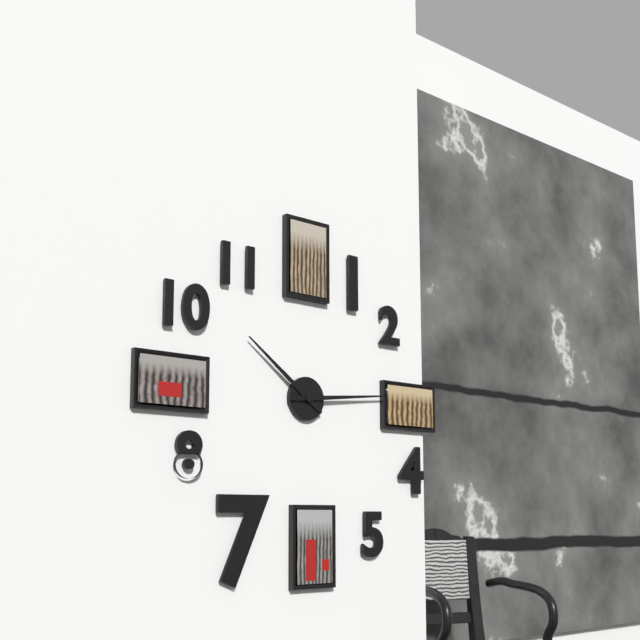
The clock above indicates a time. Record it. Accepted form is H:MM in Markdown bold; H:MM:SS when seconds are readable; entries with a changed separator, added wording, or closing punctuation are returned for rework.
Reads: **10:14**
